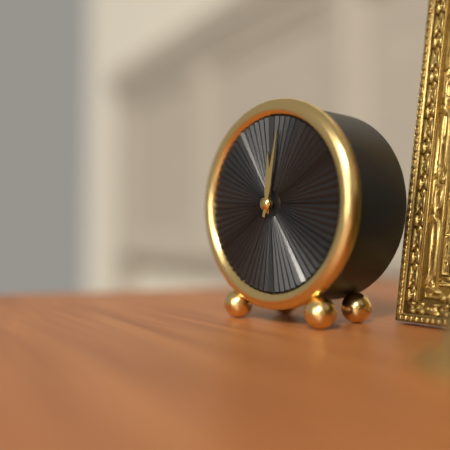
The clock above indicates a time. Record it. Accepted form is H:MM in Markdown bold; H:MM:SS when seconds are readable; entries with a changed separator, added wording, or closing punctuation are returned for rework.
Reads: **12:02**
